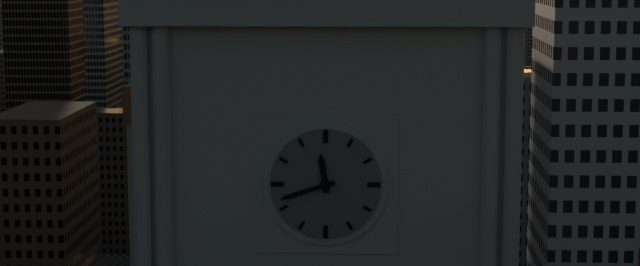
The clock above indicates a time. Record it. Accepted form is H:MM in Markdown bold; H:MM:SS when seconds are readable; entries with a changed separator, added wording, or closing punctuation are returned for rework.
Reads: **11:42**
